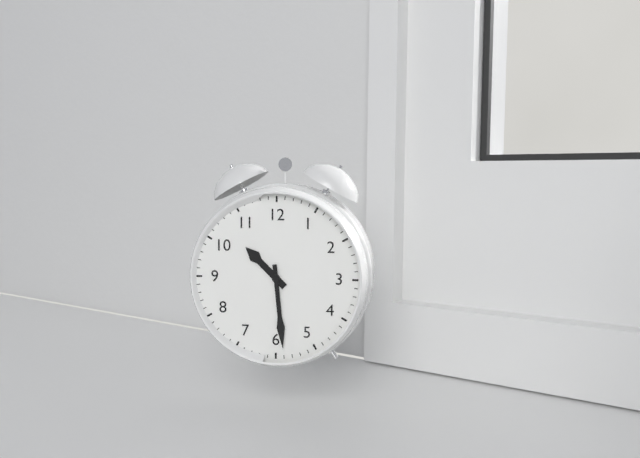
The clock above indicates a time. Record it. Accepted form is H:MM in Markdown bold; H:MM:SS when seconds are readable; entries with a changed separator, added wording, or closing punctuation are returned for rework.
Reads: **10:29**
